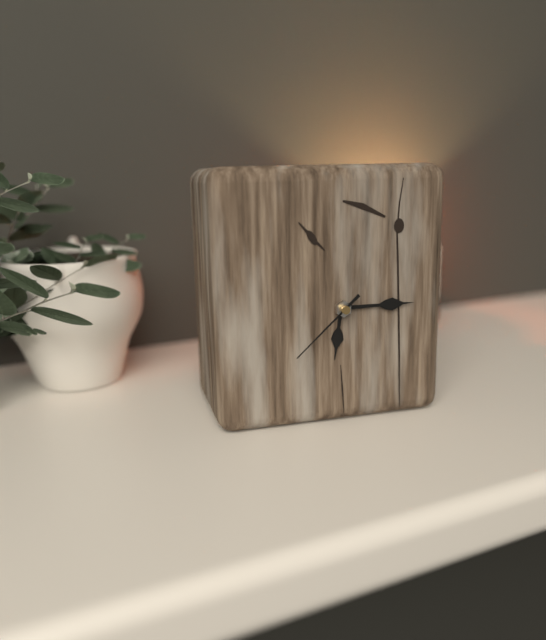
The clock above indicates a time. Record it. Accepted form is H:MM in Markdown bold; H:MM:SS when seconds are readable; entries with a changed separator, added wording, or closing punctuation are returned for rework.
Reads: **6:15:38**
